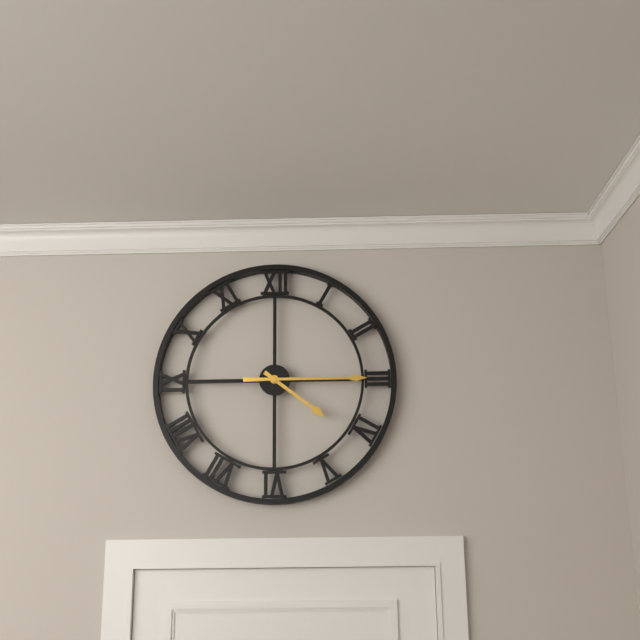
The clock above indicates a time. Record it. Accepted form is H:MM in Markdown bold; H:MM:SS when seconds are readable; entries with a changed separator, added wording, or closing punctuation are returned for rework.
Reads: **4:15**
